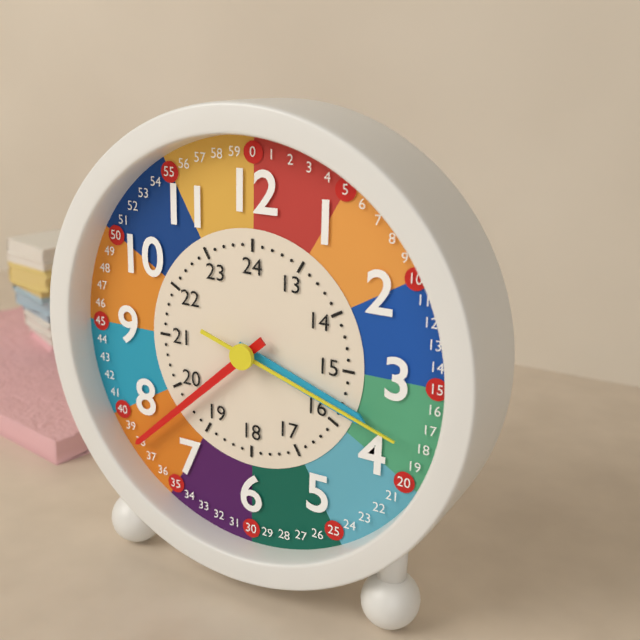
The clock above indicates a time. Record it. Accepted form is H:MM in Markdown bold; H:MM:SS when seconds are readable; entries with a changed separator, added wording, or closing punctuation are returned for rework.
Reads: **3:38:18**
